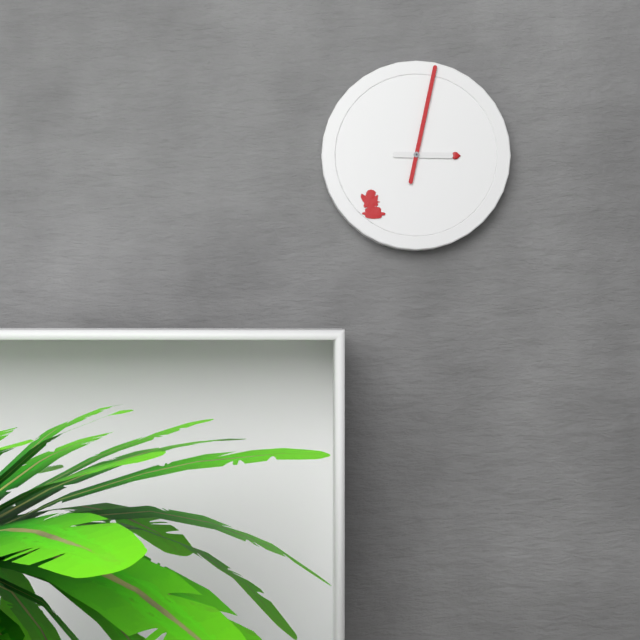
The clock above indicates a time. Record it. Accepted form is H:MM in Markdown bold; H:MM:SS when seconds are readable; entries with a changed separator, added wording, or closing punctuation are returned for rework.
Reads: **3:02**
